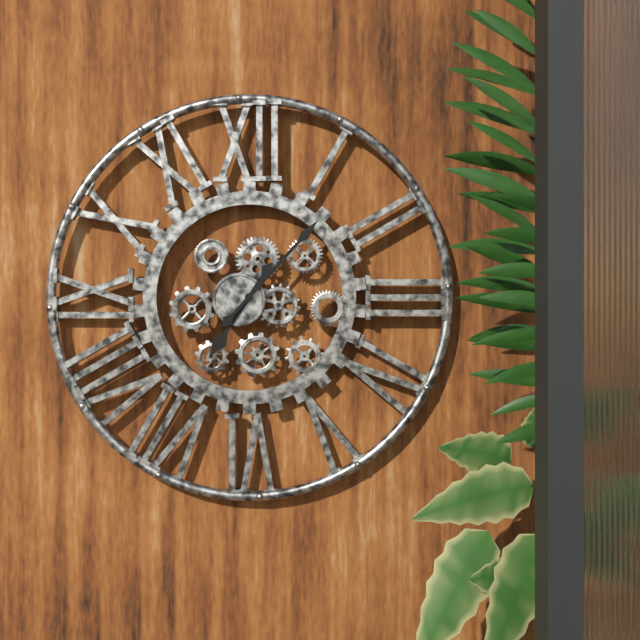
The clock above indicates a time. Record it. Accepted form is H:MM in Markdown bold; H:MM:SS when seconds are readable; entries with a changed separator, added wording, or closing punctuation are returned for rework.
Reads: **7:07**
